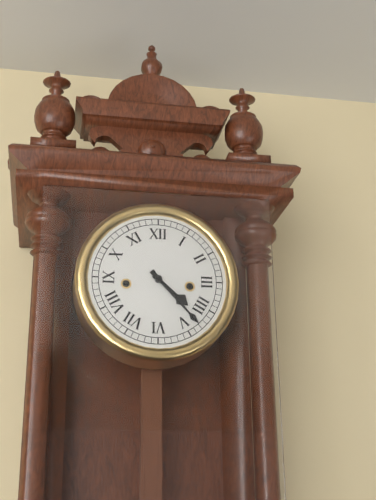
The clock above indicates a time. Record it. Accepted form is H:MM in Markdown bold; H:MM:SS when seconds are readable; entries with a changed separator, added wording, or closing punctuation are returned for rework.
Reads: **4:23**
